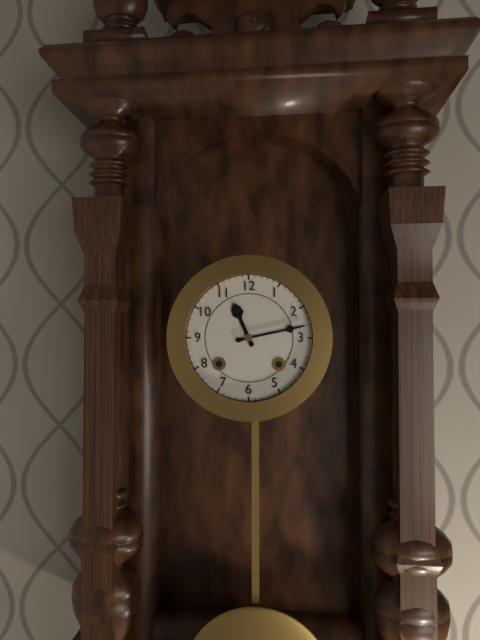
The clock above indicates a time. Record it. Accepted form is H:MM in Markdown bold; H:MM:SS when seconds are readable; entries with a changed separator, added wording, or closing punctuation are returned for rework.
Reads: **11:13**
